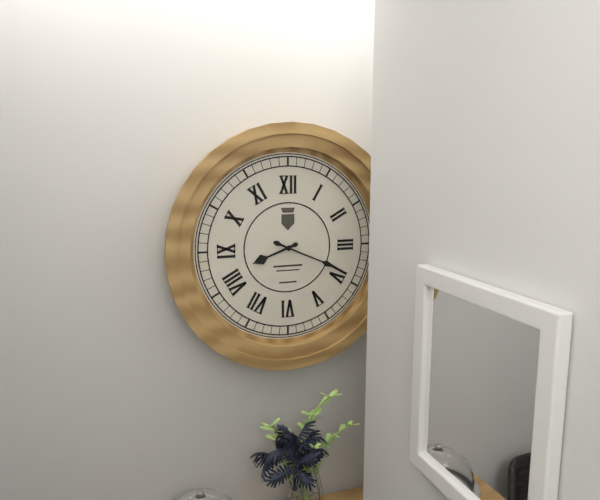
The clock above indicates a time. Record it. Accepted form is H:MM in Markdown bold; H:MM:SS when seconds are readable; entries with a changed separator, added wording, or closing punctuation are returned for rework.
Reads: **8:19**
